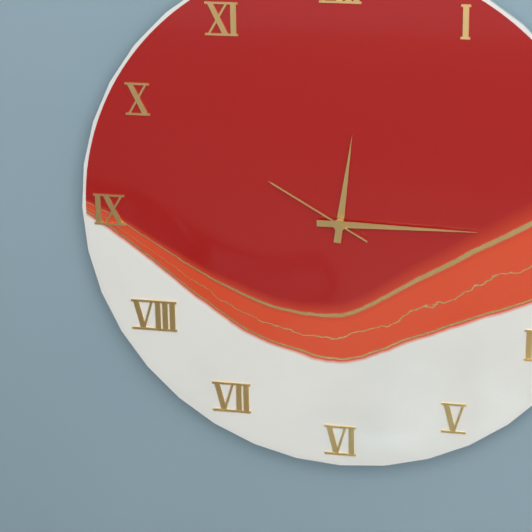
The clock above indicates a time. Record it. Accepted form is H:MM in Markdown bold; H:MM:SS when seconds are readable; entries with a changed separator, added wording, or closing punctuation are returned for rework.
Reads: **12:15:50**
